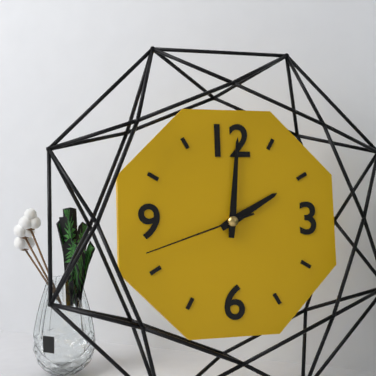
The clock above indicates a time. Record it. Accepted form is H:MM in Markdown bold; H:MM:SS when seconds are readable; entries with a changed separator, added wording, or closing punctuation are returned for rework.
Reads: **2:01:42**
